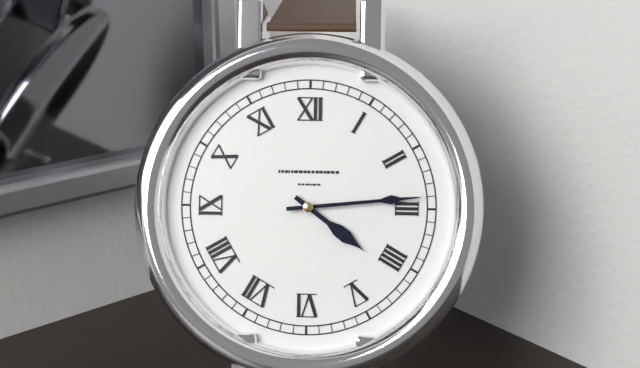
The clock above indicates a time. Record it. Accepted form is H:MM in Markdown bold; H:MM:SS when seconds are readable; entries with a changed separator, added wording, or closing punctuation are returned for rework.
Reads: **4:14**
